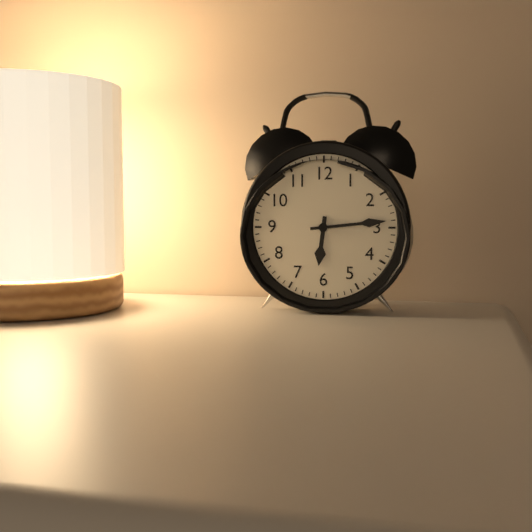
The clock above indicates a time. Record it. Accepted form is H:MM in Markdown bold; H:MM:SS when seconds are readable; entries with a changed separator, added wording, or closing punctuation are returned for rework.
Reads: **6:14**
